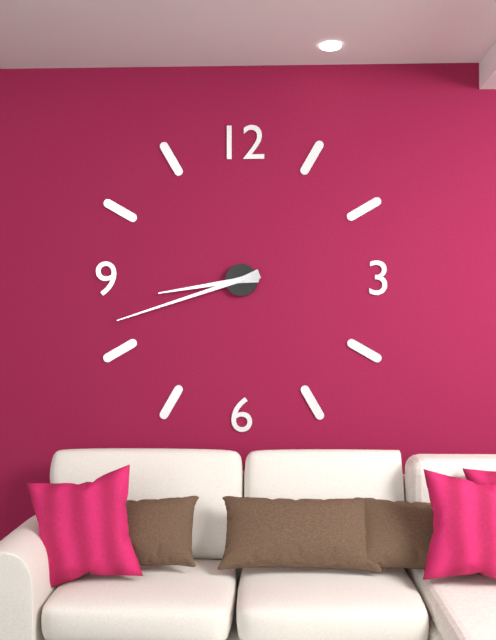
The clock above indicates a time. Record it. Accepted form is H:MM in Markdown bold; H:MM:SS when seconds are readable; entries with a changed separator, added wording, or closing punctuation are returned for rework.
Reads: **8:42**
